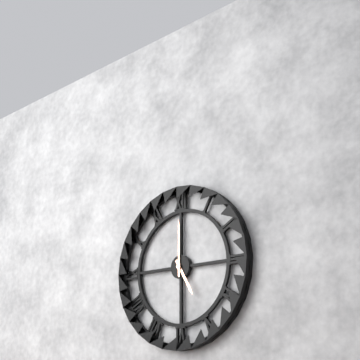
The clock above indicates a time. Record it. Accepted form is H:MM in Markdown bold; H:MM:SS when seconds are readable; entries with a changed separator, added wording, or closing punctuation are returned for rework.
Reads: **5:00**
